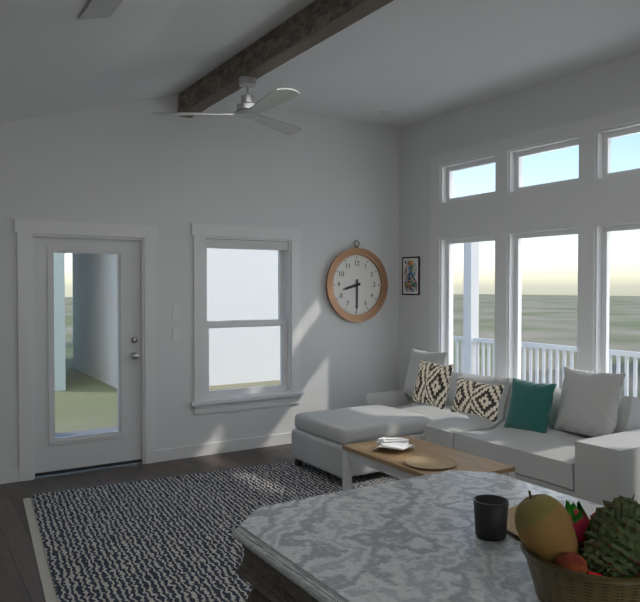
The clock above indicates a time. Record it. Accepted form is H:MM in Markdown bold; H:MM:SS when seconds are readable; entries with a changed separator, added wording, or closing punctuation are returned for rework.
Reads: **8:30**
